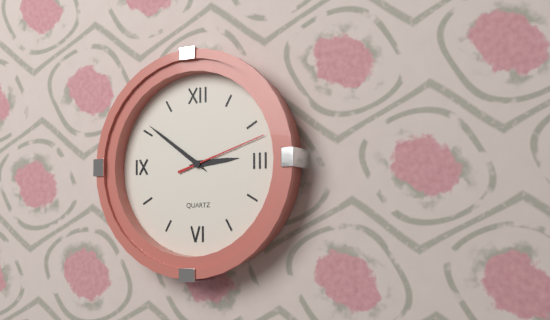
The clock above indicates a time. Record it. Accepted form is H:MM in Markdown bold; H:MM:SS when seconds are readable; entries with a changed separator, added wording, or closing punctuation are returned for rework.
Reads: **2:51:12**
